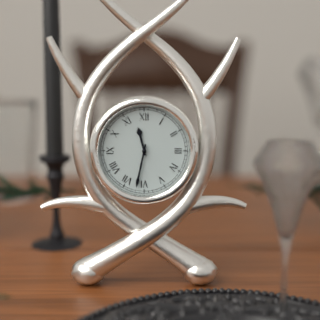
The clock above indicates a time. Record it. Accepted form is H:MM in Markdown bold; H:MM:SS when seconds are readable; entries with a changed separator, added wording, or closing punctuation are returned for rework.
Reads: **11:32**
